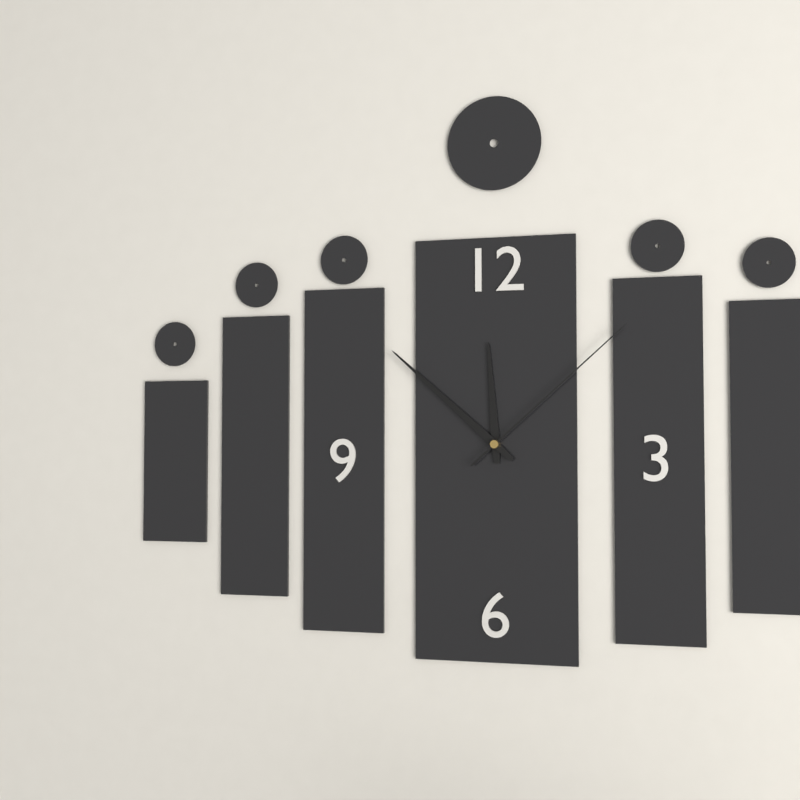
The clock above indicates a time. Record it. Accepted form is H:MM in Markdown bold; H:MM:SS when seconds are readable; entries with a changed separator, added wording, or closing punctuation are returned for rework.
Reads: **11:52:08**
